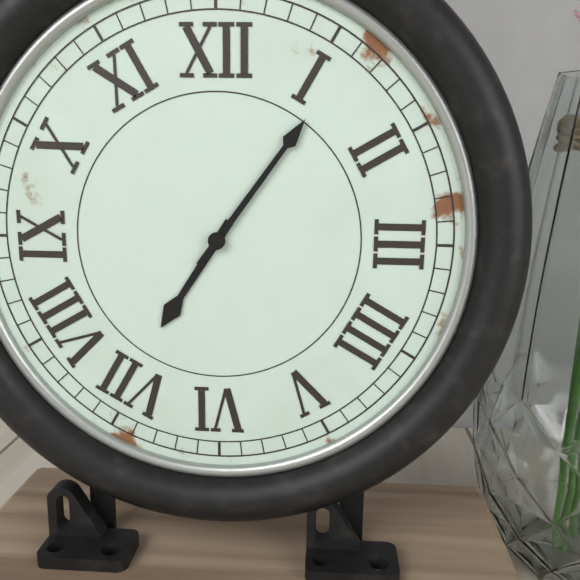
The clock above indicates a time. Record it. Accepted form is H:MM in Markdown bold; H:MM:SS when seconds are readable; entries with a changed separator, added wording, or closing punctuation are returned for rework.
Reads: **7:06**
